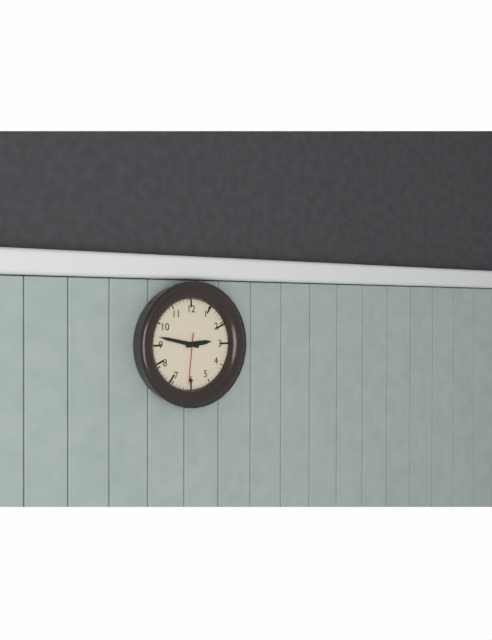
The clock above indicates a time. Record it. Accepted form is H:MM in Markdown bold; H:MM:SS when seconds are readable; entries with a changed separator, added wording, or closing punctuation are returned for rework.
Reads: **2:47:31**
